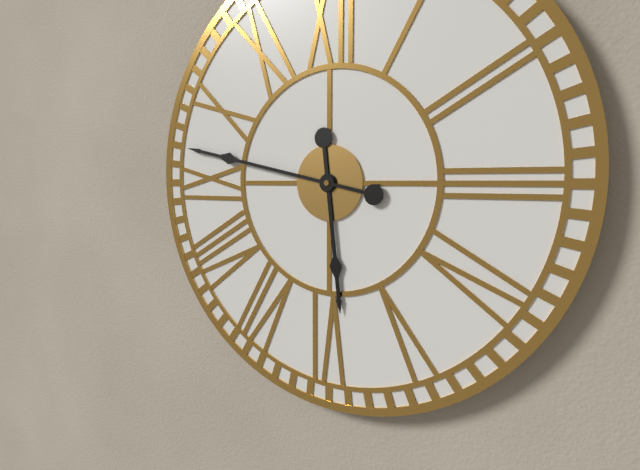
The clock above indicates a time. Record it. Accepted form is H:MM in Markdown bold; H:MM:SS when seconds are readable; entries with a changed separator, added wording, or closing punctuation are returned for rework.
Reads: **5:47**
